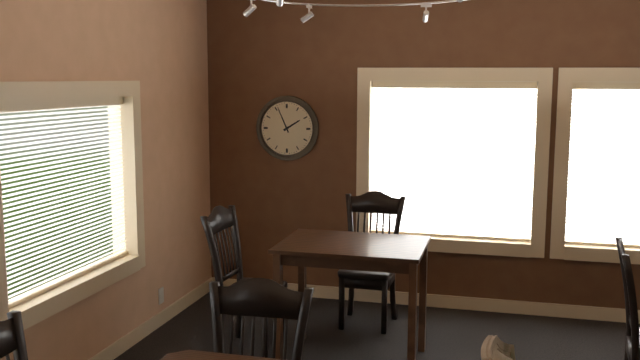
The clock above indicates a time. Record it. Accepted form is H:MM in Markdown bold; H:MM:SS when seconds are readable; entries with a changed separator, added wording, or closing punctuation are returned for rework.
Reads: **1:56**
